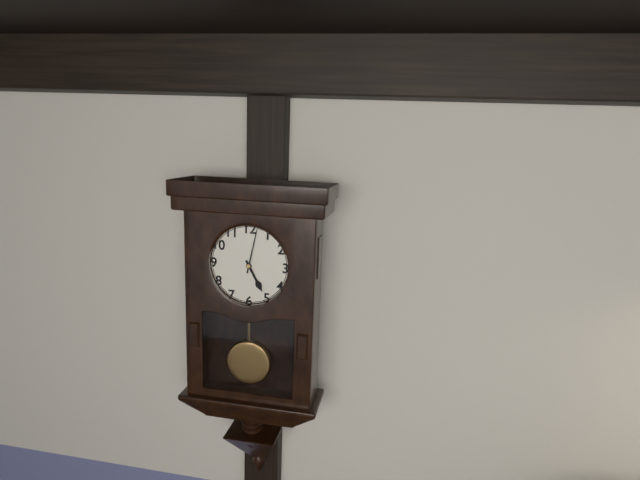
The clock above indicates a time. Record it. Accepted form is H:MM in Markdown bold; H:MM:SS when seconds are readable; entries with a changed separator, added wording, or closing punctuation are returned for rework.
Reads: **5:02**
